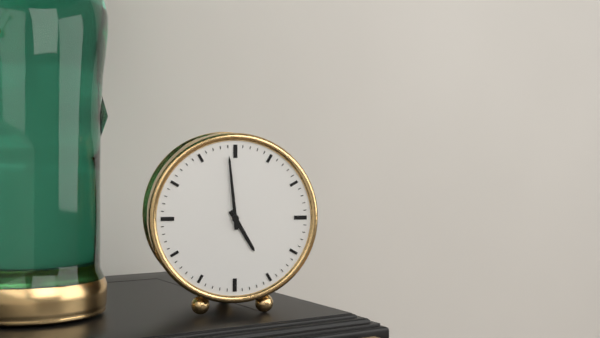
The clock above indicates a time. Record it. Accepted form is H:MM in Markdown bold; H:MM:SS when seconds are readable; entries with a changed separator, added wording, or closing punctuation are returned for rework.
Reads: **4:59**
